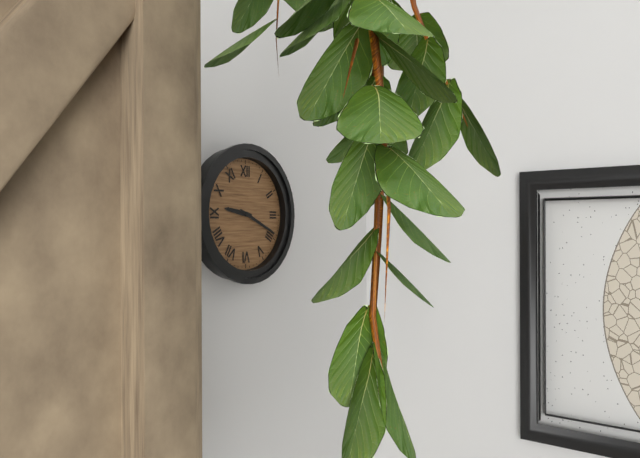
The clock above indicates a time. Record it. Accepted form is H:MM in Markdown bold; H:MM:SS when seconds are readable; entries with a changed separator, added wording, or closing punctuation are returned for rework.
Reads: **9:19**
